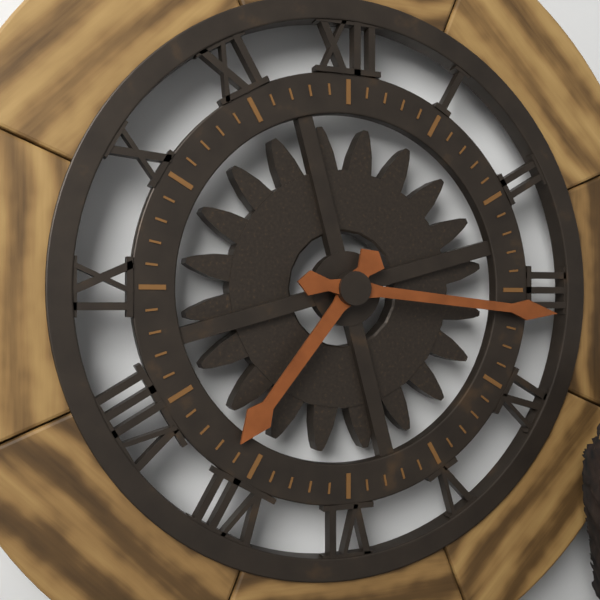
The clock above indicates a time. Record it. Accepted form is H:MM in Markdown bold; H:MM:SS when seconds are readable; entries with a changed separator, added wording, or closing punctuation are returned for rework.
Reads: **7:16**
